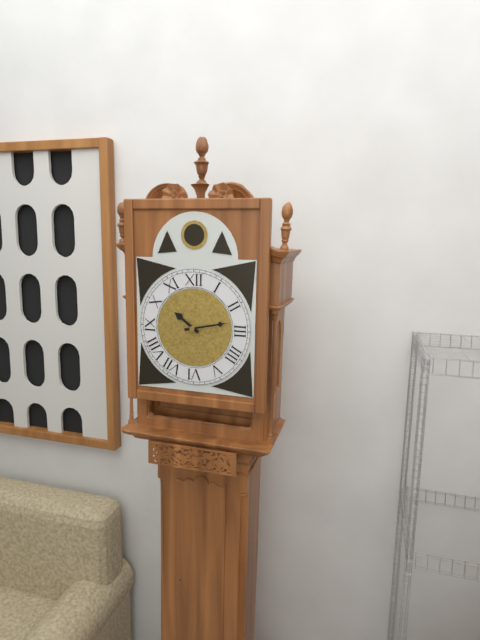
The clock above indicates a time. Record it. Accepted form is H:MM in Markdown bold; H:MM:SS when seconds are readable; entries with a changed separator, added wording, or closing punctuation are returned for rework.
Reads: **10:13**
